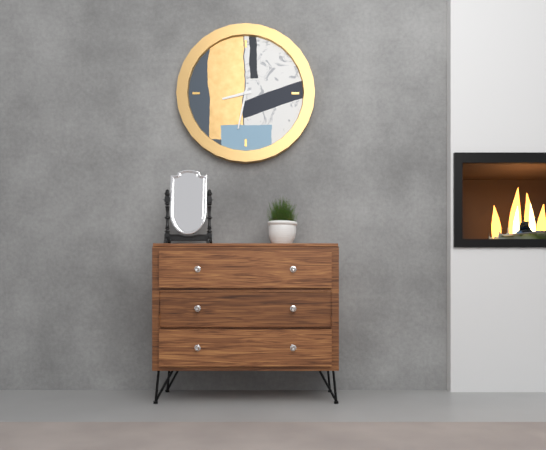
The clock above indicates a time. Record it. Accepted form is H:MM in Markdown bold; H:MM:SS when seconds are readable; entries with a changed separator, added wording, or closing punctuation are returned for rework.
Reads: **8:32**
